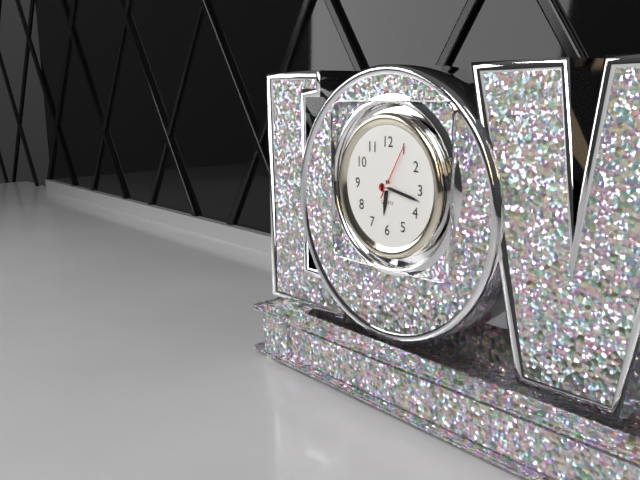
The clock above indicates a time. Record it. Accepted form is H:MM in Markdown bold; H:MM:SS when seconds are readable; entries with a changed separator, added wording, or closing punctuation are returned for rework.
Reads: **6:17:05**
